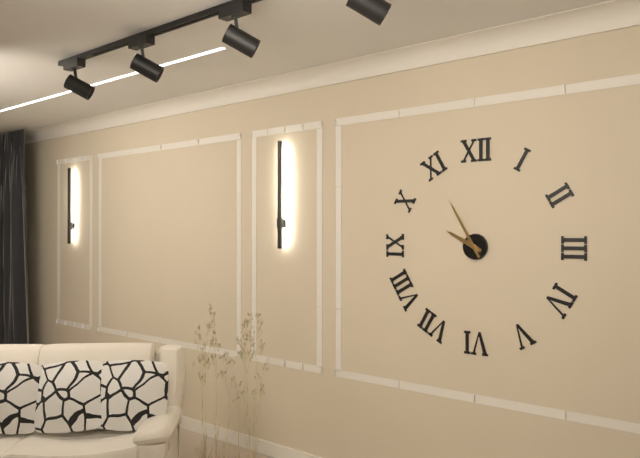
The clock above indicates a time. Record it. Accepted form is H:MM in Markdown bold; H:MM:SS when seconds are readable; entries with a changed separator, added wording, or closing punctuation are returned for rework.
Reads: **9:55**
